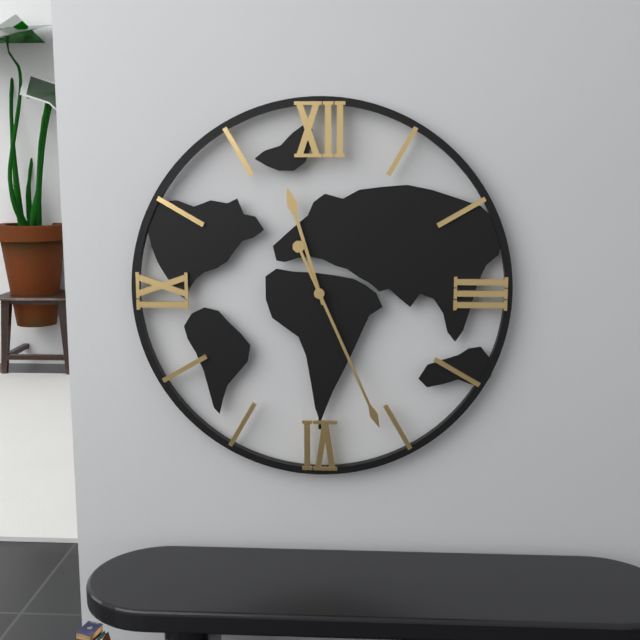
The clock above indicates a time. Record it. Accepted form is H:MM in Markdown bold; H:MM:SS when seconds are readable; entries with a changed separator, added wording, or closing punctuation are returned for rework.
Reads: **11:26**
